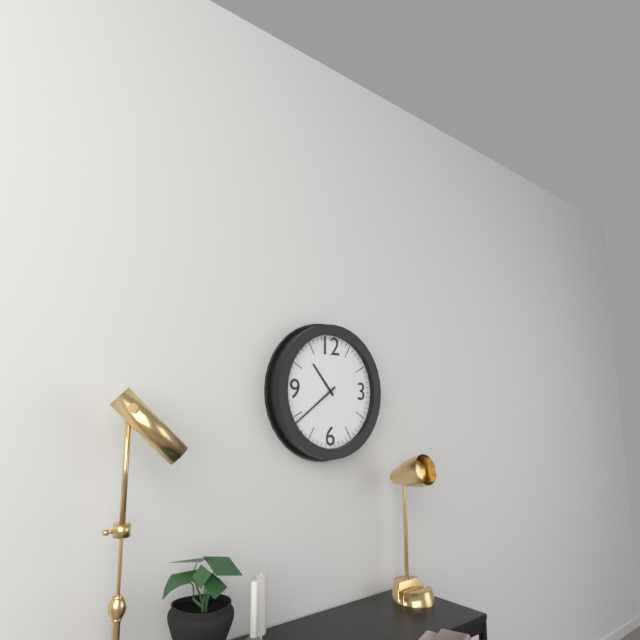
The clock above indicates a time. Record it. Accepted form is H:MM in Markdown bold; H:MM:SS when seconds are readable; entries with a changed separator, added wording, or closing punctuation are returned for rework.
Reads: **10:39**
